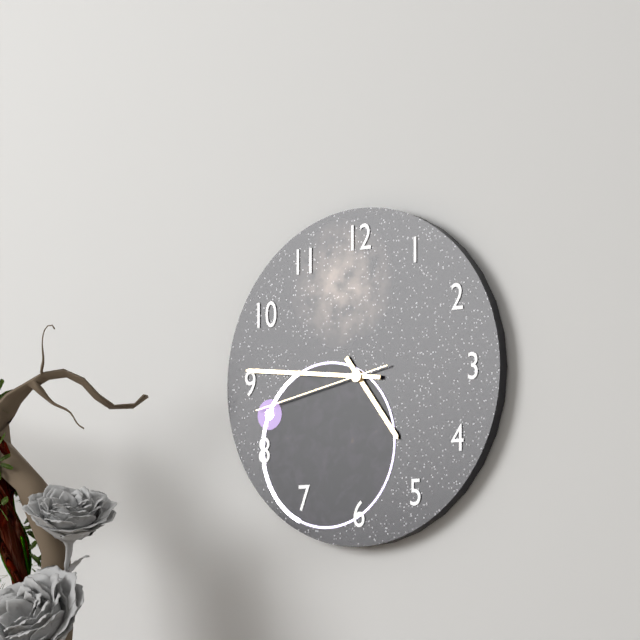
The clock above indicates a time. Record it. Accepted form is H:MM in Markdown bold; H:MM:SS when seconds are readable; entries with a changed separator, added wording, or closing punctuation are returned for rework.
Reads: **4:46:43**
